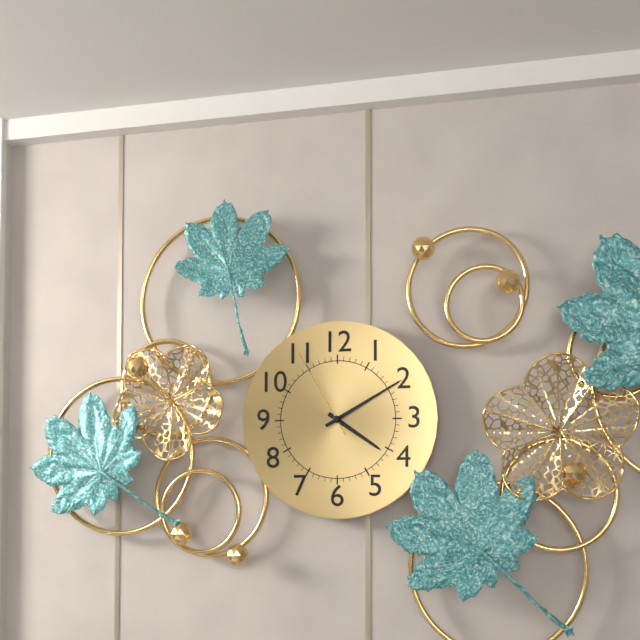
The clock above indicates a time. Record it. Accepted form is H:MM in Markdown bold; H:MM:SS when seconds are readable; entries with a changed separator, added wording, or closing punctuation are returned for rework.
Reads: **4:10:55**
